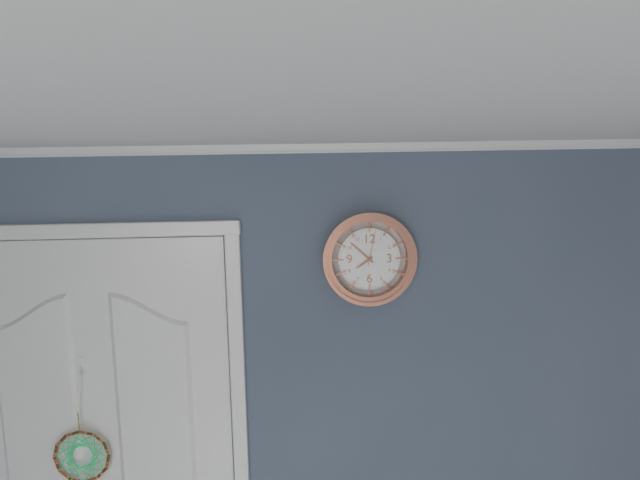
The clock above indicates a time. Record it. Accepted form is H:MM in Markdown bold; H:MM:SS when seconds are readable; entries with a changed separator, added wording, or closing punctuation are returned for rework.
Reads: **7:52**
